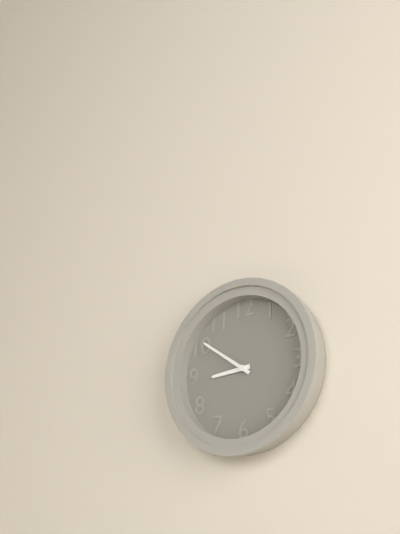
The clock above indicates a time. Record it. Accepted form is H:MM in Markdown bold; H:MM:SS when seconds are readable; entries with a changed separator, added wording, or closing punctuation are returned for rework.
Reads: **8:51**
